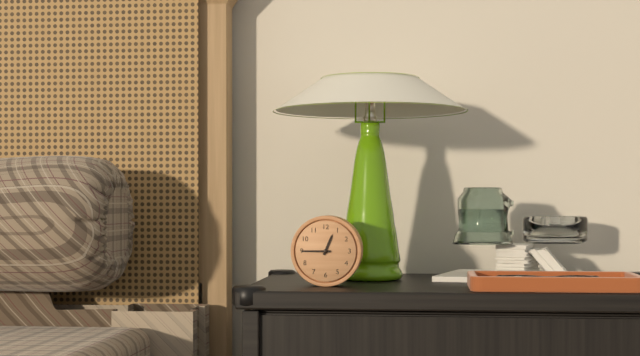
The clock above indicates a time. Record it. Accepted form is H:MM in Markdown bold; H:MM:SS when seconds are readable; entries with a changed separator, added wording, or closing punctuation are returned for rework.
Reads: **12:45**
